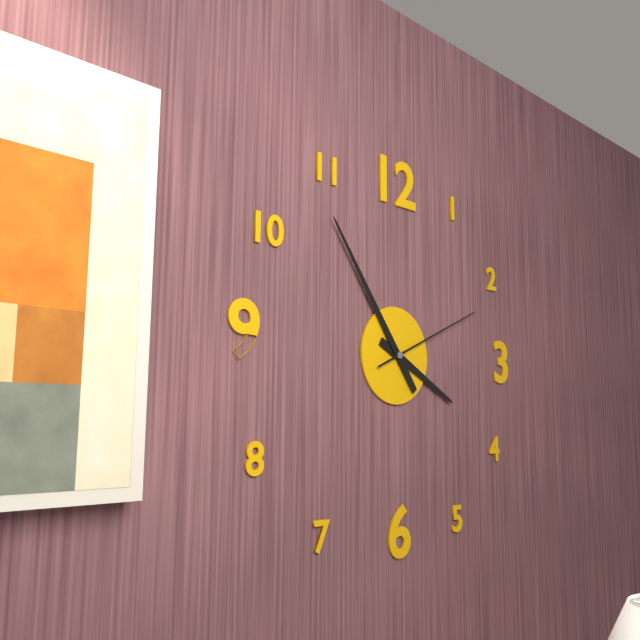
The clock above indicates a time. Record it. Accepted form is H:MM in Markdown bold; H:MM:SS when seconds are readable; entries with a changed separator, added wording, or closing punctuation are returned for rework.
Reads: **3:54:11**
